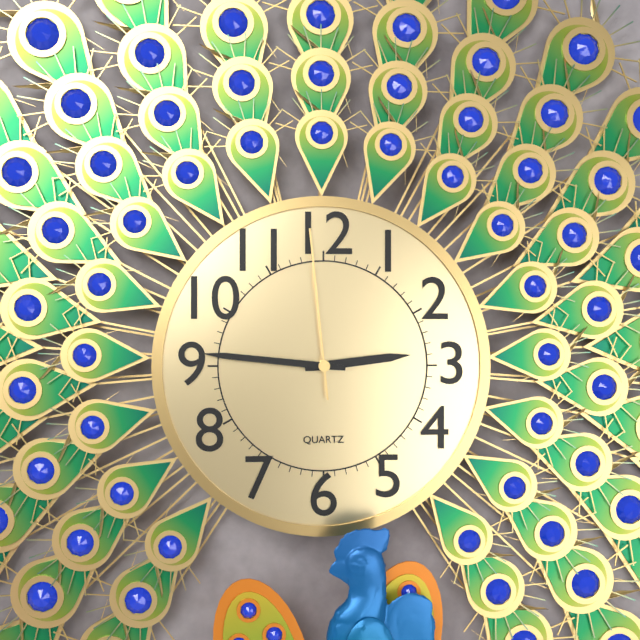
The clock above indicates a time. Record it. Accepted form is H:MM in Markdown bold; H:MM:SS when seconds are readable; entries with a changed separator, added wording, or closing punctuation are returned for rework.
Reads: **2:46:59**
